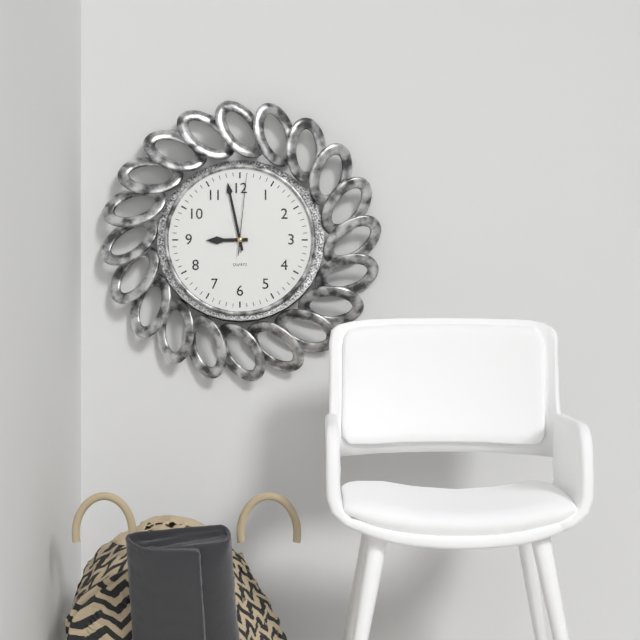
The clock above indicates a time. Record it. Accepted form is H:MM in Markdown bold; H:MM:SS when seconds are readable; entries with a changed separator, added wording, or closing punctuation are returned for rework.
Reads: **8:58:01**
